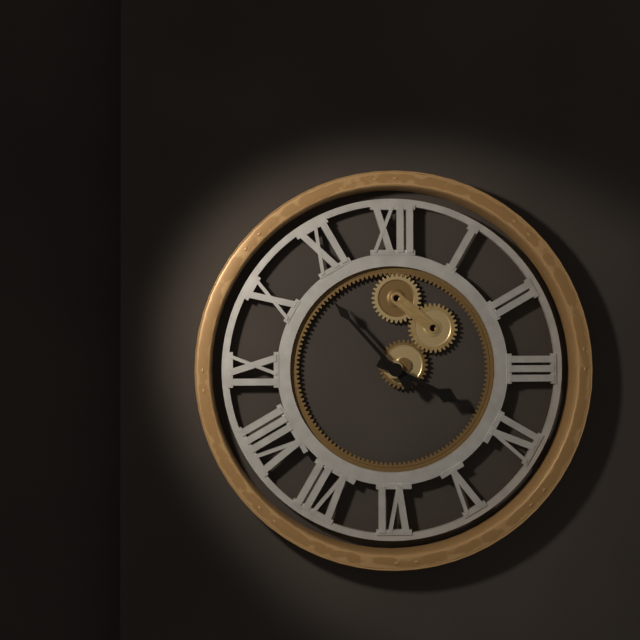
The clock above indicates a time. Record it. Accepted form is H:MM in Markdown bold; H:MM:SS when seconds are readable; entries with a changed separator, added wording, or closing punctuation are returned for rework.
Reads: **3:53**
